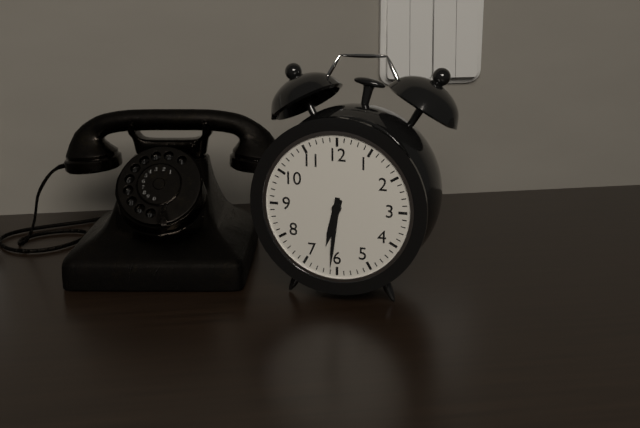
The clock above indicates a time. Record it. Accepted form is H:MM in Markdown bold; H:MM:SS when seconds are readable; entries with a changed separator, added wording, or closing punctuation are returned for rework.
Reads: **6:31**
